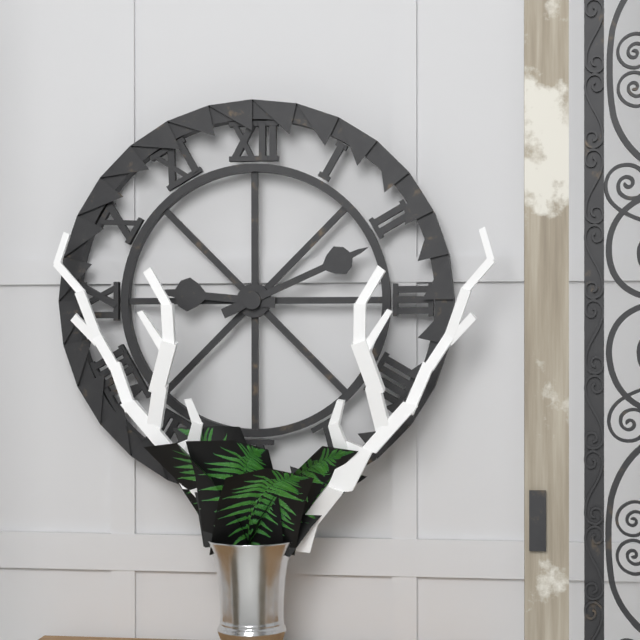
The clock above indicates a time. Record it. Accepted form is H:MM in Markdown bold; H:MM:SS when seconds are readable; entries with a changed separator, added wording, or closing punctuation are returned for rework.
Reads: **9:11**
